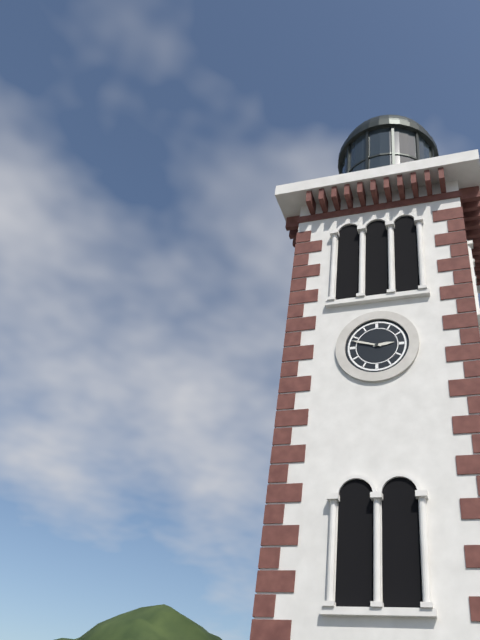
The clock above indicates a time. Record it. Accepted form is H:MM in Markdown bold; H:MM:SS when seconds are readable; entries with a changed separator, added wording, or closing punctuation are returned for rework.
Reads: **2:48**
